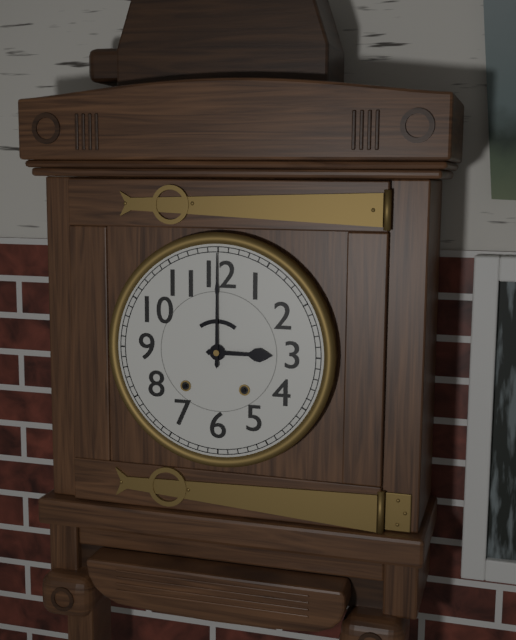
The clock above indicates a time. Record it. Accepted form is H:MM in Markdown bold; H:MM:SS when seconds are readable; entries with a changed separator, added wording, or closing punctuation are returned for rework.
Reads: **3:00**
